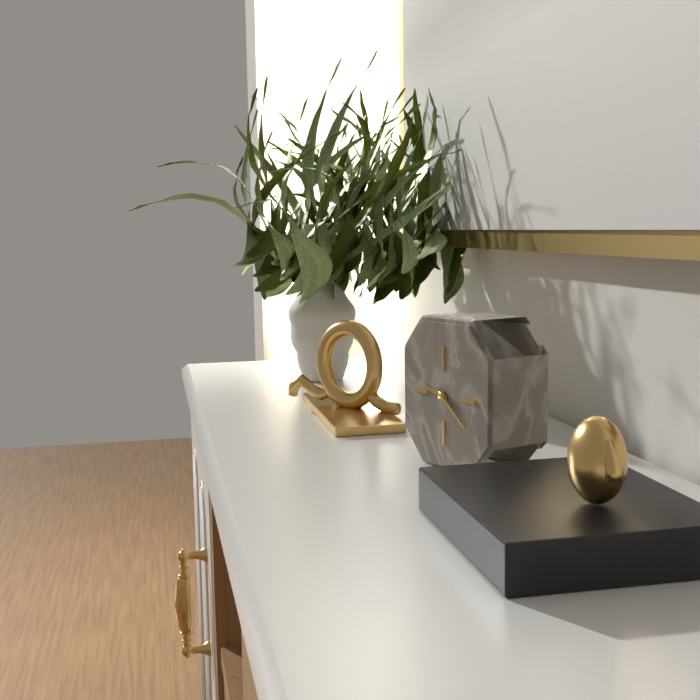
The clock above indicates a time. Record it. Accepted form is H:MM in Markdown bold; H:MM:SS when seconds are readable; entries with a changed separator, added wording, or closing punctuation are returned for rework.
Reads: **9:21**
